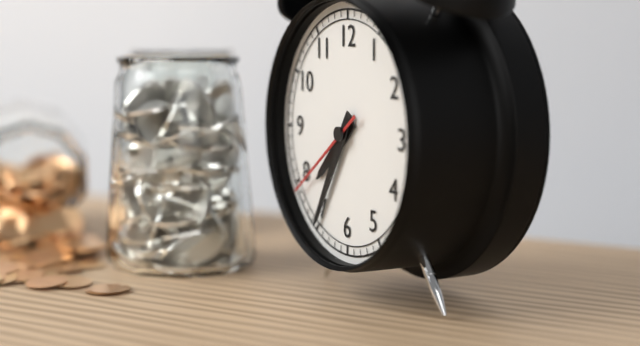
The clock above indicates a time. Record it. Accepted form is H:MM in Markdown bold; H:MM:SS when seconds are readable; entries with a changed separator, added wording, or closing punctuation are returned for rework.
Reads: **7:35:39**
